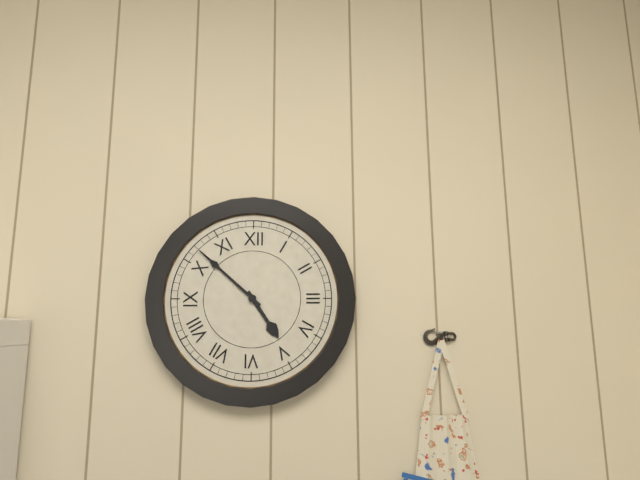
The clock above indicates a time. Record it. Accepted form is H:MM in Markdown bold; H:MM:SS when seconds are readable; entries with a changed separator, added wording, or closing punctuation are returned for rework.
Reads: **4:52**
